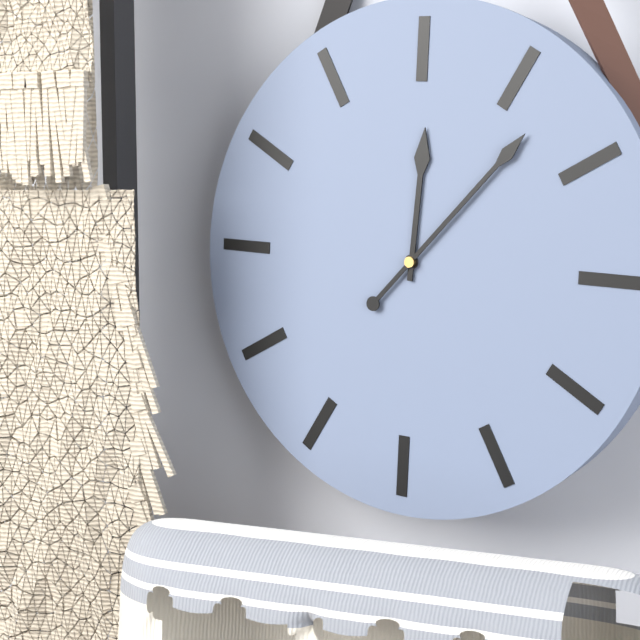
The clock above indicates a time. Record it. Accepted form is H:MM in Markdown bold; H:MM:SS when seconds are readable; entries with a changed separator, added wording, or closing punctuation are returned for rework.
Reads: **12:07**
